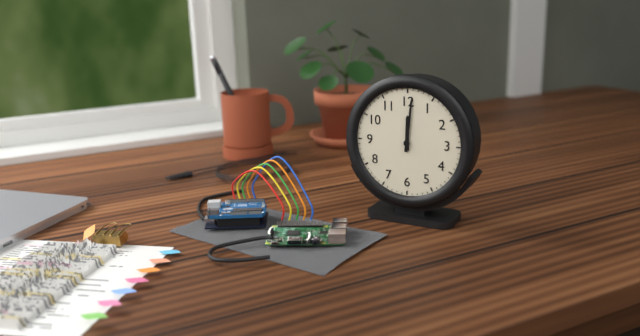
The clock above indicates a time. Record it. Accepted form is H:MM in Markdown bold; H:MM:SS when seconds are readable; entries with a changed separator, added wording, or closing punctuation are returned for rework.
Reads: **12:01**
